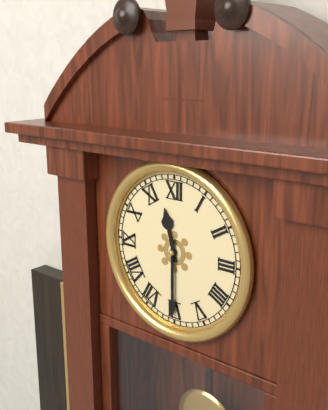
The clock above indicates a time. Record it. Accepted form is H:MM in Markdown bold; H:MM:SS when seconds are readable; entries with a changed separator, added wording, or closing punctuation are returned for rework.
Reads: **11:30**
